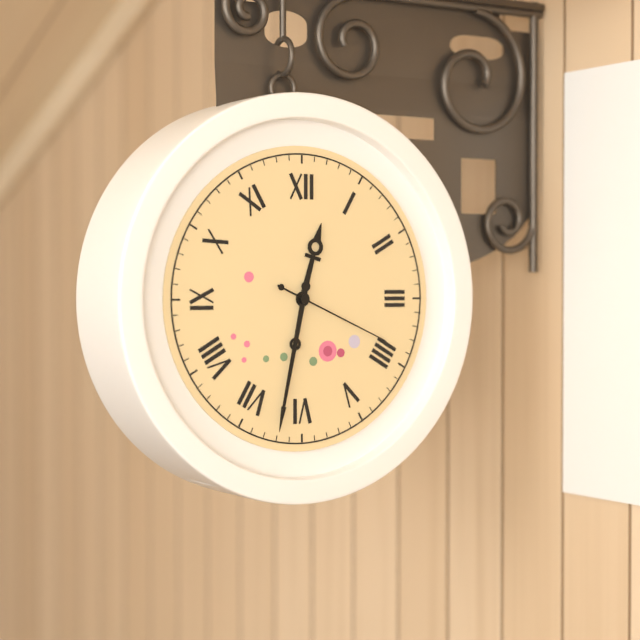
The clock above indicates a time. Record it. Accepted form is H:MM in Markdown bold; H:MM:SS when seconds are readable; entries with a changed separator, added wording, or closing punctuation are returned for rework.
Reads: **12:32:19**
